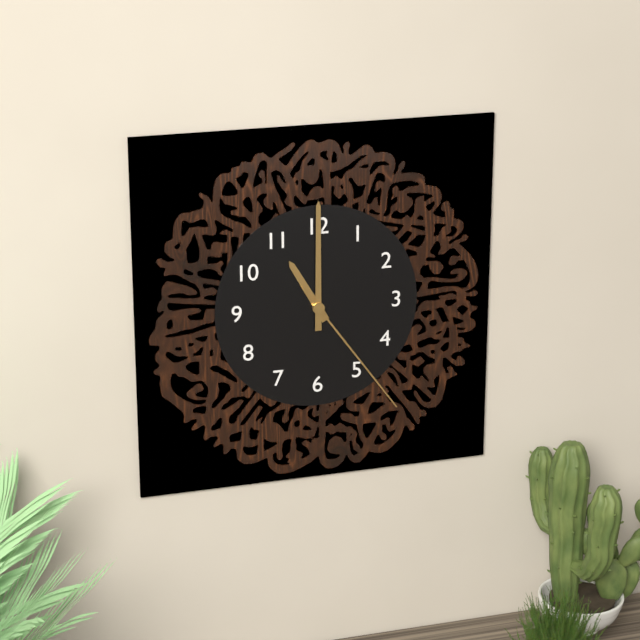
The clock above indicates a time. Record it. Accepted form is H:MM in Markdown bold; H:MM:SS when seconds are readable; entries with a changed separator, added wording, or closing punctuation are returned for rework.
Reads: **11:00:24**
